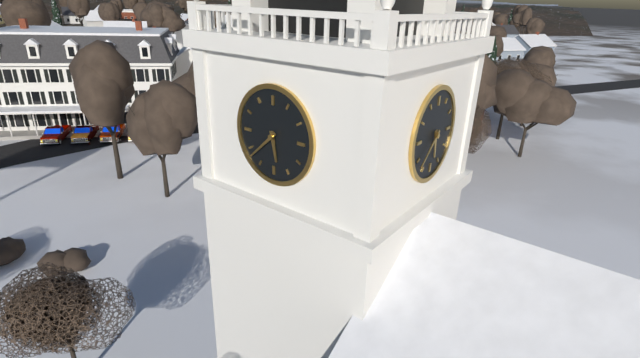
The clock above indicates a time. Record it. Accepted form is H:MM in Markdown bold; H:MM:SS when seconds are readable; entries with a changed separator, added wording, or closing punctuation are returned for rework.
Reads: **5:38**
